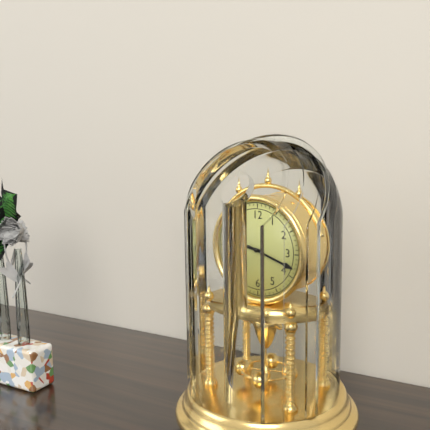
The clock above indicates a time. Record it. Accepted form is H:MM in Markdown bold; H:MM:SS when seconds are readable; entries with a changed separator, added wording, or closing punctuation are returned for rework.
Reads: **9:18**
